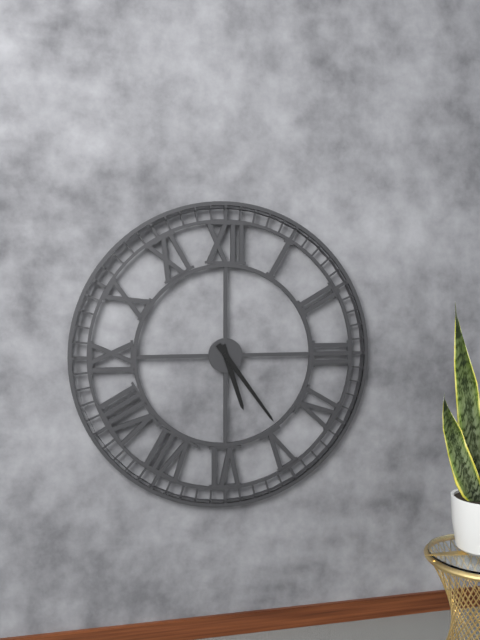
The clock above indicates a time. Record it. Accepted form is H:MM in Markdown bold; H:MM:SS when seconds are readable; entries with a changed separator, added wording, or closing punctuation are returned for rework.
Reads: **5:24**
